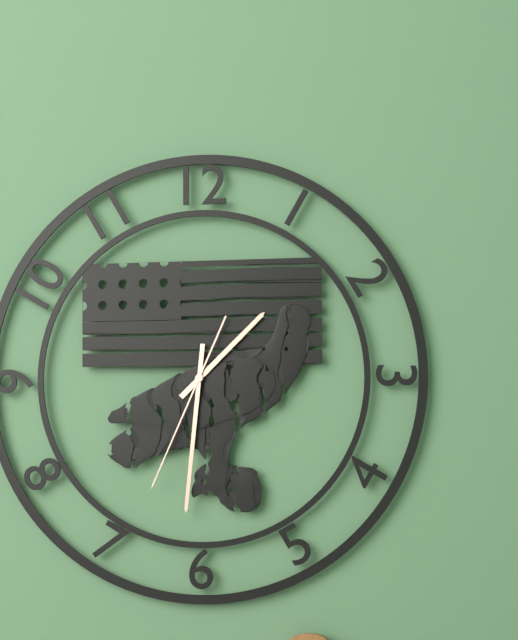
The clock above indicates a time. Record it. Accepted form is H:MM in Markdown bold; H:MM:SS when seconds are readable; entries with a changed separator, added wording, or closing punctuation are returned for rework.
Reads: **1:31:34**
